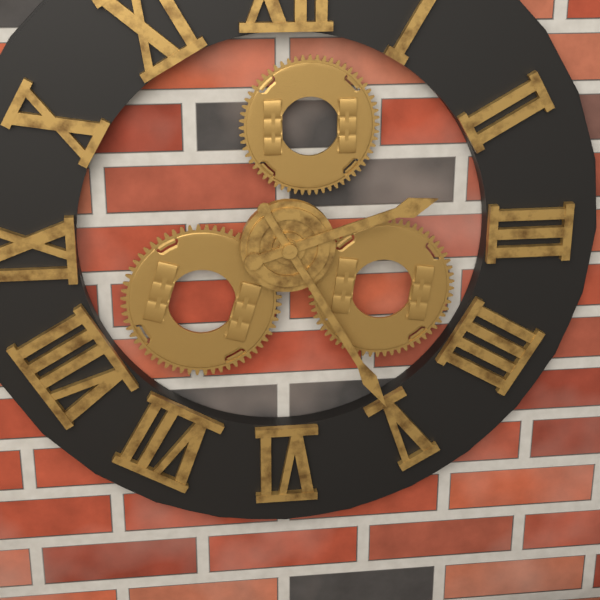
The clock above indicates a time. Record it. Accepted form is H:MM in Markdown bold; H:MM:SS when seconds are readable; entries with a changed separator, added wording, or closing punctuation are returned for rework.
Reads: **2:25**
